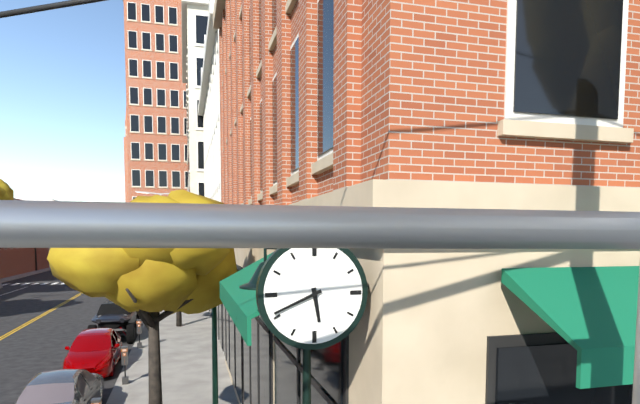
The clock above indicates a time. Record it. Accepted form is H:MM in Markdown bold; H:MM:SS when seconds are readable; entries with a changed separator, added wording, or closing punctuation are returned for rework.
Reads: **5:41**
